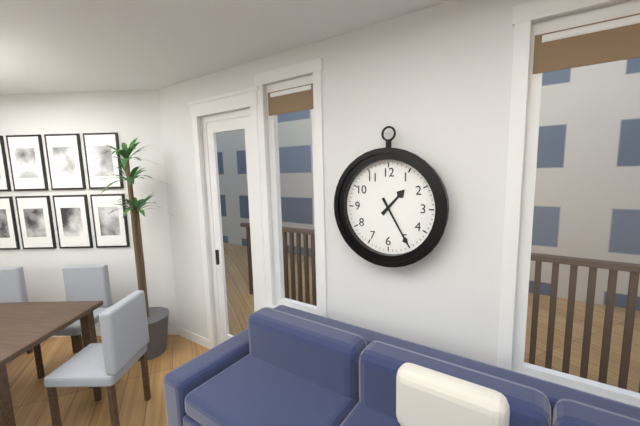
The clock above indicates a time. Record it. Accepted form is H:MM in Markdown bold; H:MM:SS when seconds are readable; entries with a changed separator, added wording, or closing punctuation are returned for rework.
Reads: **1:25**
